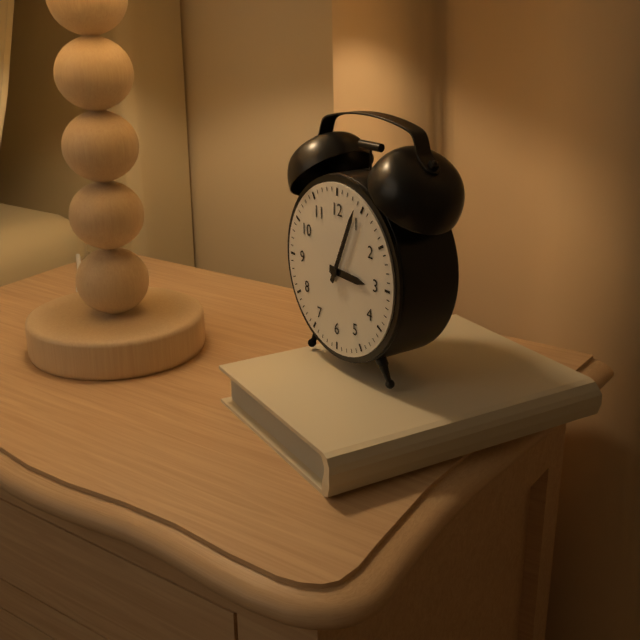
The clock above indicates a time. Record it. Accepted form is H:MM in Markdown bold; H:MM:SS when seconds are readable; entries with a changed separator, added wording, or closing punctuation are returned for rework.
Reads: **3:04**
